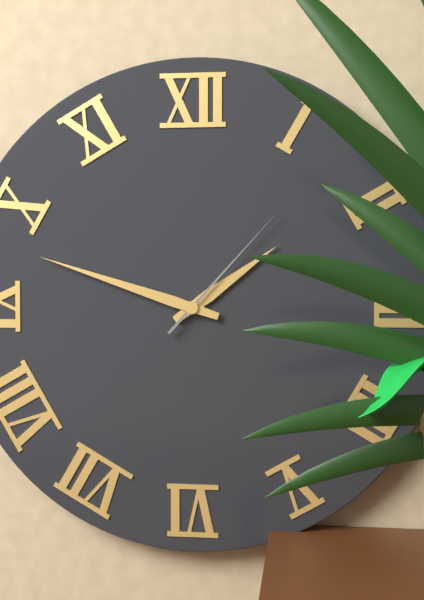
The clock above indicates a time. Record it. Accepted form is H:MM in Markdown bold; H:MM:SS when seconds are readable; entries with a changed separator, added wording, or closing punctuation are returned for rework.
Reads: **1:48:07**
